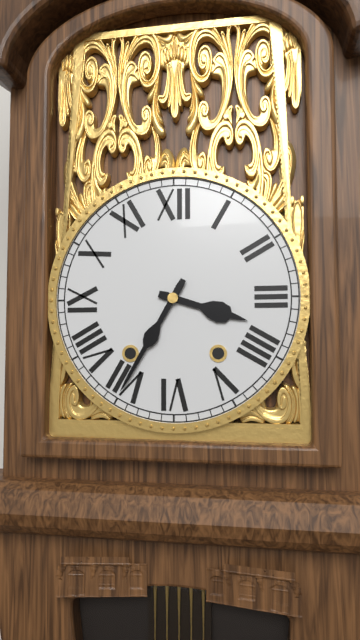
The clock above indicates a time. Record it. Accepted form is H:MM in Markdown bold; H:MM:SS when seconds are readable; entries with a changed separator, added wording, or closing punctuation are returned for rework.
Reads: **3:35**
